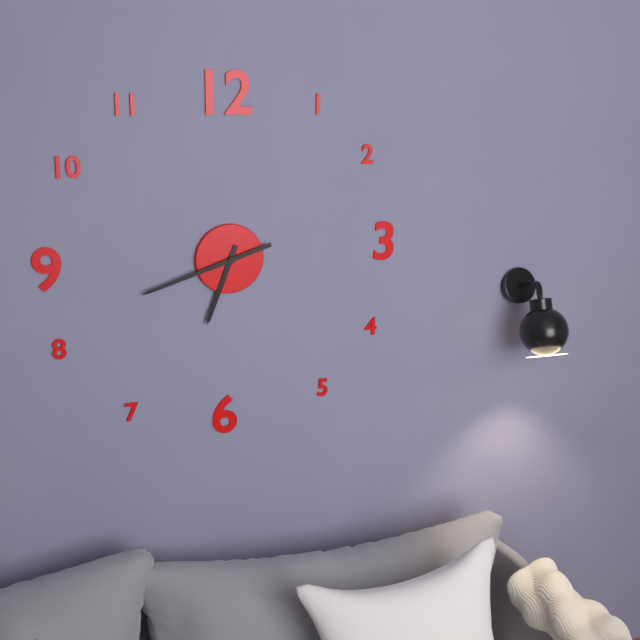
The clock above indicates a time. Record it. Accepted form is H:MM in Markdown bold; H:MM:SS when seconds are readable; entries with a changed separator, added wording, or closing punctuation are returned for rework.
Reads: **6:42**
